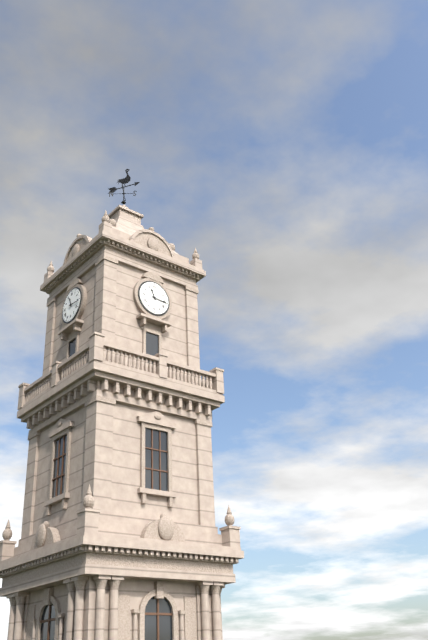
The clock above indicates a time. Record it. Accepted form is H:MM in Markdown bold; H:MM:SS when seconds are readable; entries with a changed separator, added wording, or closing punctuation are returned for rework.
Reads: **11:16**
